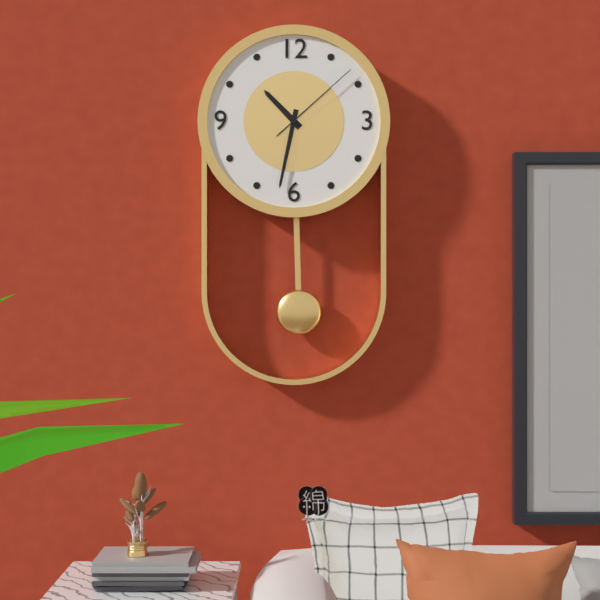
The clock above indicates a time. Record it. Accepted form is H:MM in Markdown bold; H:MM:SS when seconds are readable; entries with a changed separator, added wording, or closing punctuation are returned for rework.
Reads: **10:32:08**
